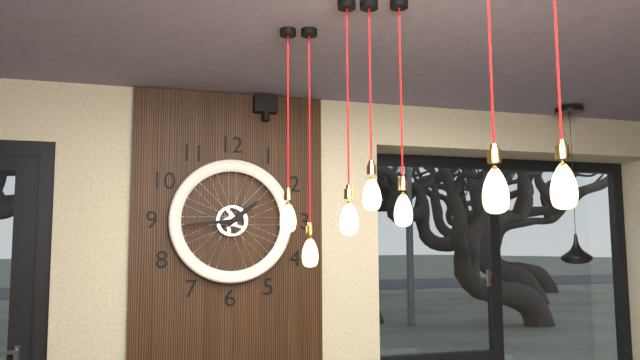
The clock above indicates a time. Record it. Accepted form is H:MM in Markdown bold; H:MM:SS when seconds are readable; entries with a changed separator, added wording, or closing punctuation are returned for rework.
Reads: **1:44**
